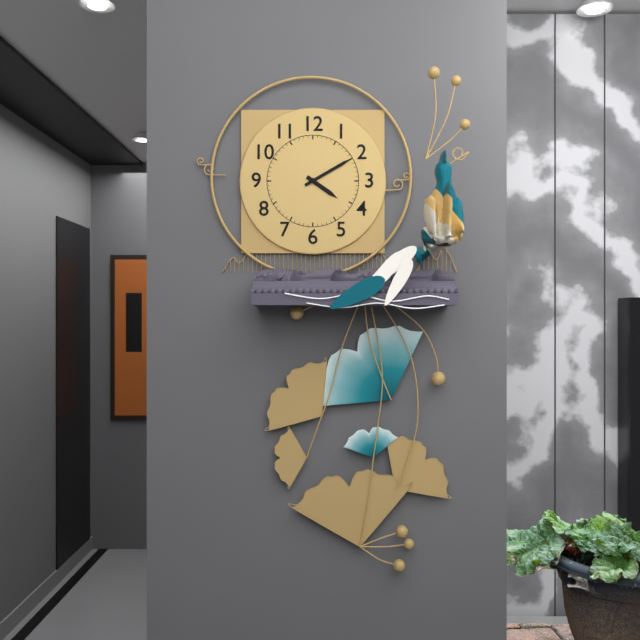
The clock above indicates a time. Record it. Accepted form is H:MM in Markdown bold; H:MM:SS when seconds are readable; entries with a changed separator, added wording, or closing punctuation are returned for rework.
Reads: **4:10**
